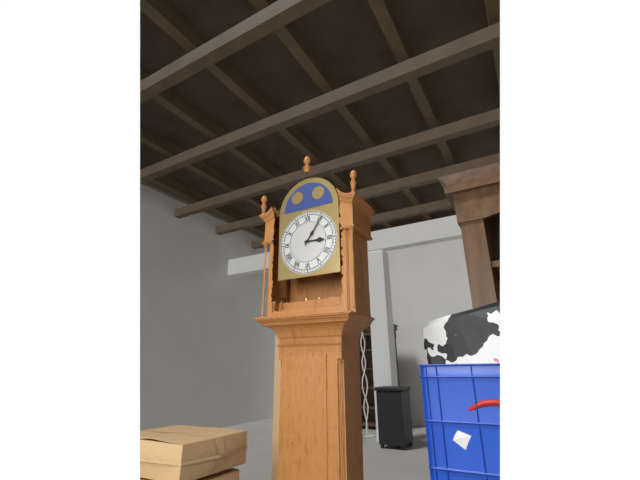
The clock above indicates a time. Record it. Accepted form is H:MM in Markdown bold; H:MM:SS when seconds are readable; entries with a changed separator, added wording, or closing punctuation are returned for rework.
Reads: **3:06**
